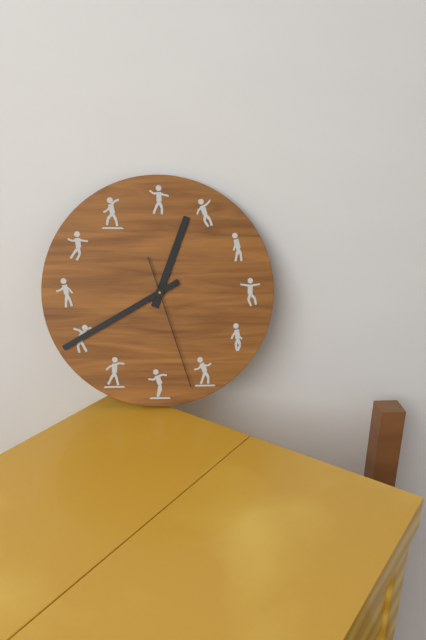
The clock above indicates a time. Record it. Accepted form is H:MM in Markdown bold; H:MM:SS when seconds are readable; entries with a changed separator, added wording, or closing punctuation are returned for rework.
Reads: **12:40:27**
